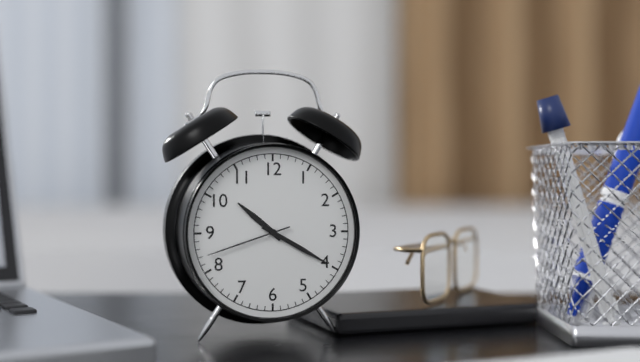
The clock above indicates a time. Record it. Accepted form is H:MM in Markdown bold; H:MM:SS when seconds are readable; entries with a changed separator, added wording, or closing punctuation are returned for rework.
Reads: **10:20:42**
